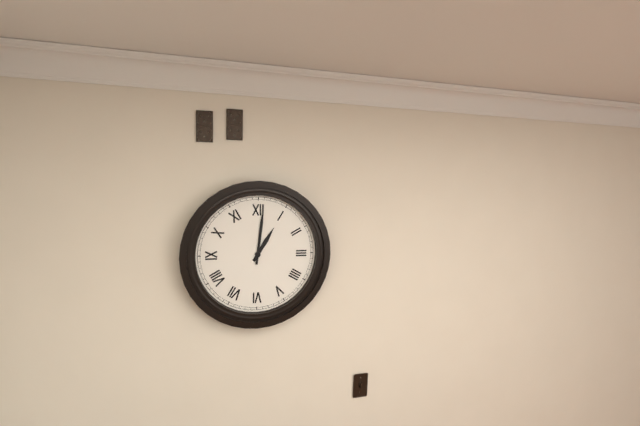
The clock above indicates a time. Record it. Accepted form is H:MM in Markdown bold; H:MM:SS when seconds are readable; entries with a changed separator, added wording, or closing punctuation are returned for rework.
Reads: **1:01**
